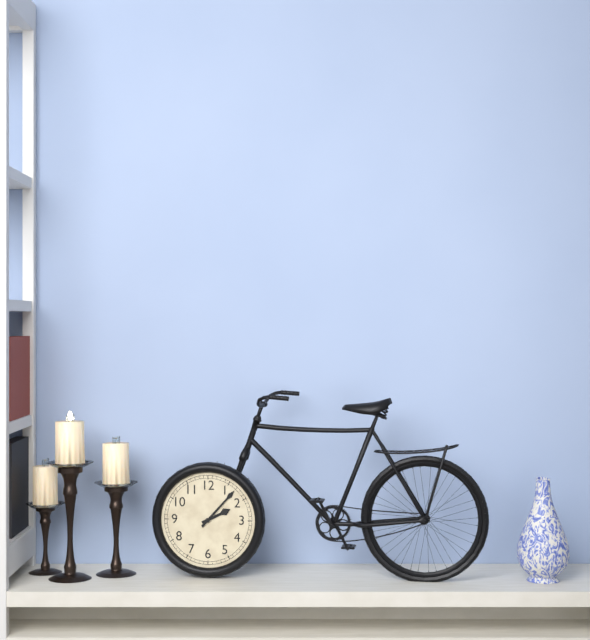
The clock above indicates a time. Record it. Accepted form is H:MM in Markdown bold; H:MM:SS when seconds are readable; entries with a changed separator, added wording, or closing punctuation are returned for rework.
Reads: **2:07**
